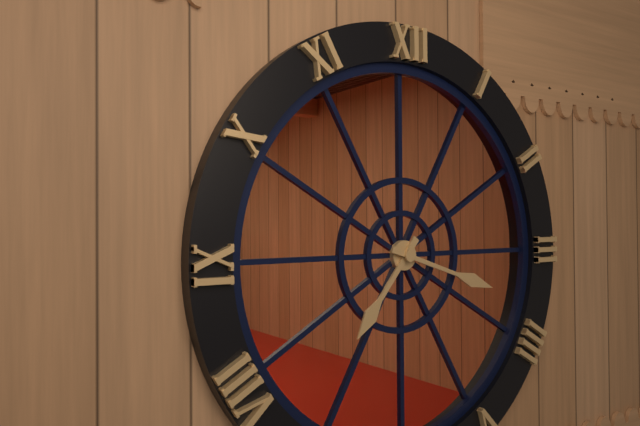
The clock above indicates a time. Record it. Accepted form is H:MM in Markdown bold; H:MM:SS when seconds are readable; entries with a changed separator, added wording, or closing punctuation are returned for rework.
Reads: **7:18**
